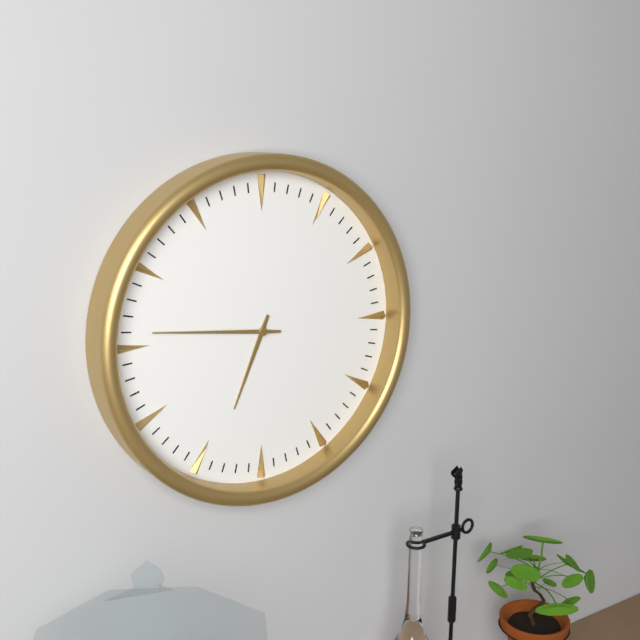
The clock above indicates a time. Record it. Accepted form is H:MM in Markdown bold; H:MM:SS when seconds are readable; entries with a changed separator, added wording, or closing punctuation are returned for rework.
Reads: **6:46**
